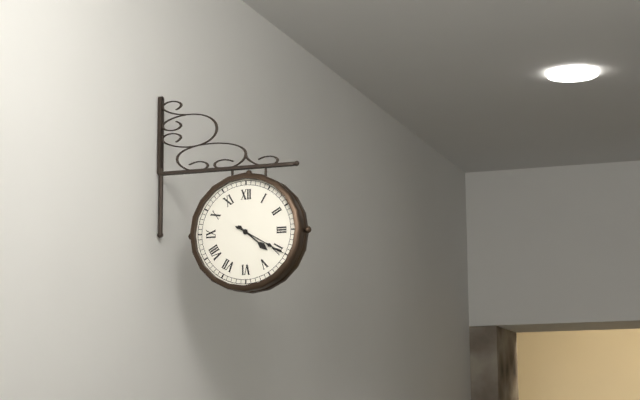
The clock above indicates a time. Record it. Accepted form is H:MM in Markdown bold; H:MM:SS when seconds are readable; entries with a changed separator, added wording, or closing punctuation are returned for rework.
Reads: **4:20**
